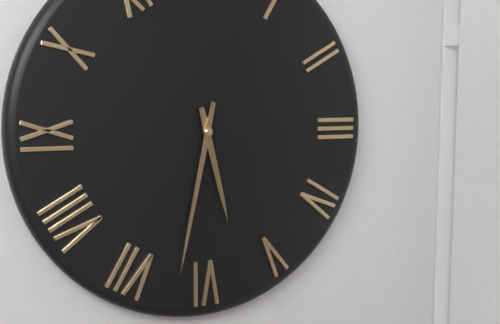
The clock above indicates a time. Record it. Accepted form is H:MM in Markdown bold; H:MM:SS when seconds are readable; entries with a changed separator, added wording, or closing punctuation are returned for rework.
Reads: **5:32**
